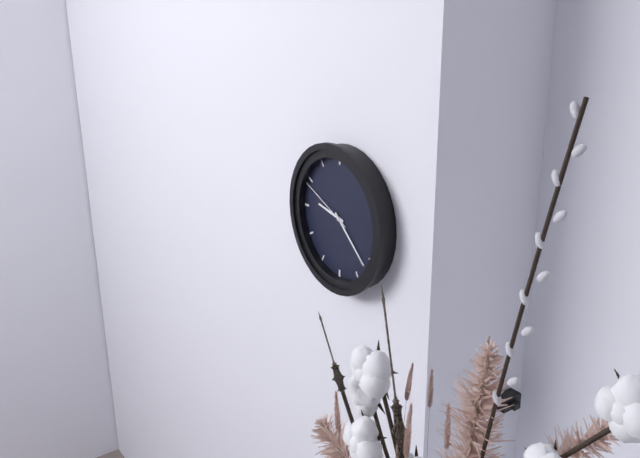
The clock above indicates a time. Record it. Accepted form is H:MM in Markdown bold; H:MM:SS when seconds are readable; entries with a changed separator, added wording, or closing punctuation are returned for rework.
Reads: **9:22:49**
